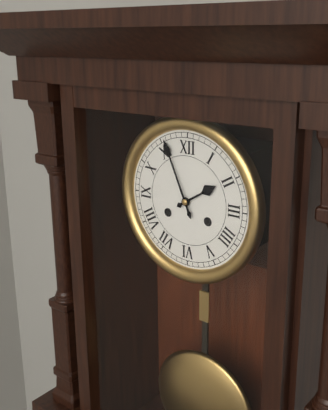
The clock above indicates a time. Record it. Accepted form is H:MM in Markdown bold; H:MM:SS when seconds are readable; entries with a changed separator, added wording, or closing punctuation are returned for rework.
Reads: **1:56**
